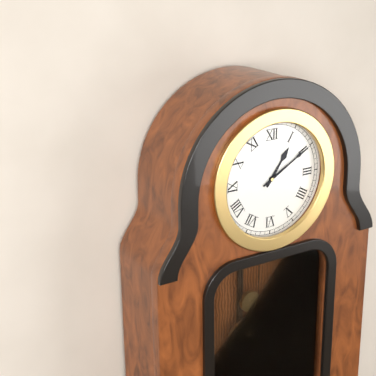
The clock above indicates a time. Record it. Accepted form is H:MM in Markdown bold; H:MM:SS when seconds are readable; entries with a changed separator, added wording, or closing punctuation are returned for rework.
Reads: **1:10**
